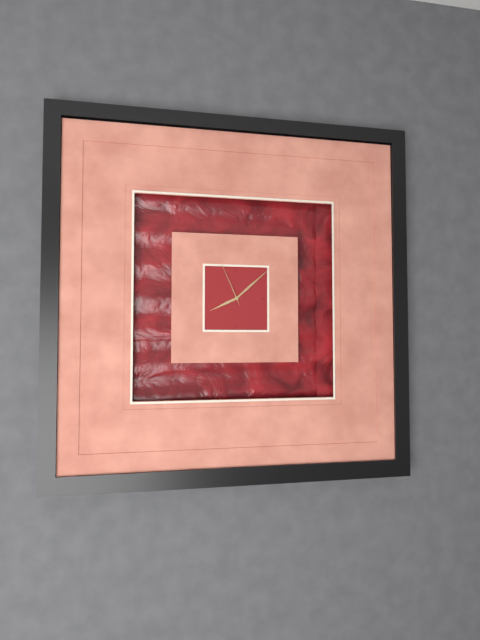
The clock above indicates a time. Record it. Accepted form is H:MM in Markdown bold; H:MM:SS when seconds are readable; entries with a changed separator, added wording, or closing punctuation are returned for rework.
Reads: **8:08:56**
